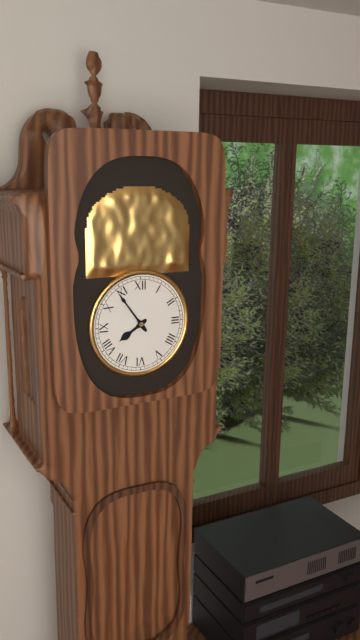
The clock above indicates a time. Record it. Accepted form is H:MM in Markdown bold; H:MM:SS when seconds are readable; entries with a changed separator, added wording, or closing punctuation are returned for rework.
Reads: **7:54**
